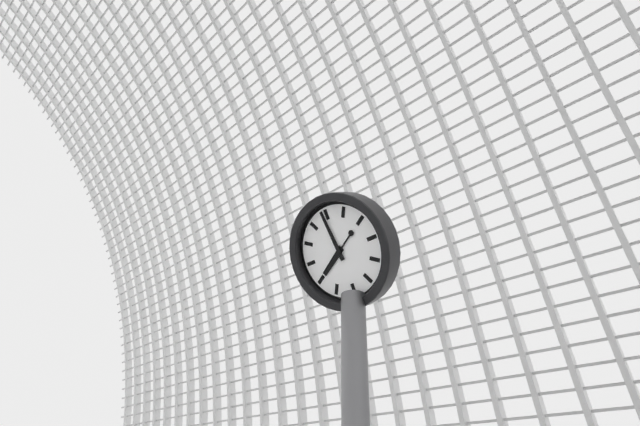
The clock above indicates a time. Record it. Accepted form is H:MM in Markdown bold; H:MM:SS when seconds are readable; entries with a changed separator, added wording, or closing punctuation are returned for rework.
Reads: **7:59**
